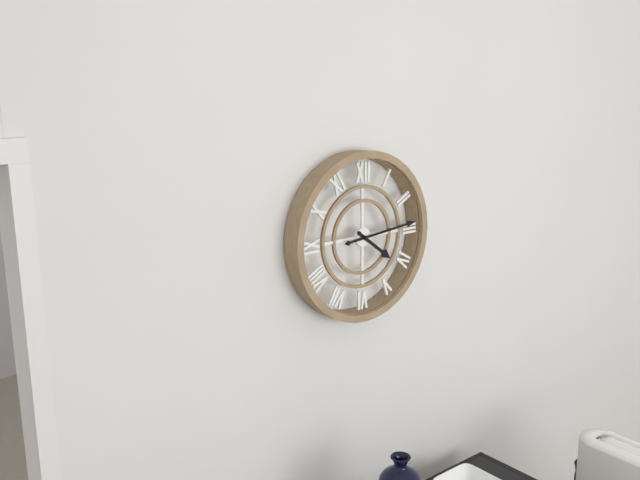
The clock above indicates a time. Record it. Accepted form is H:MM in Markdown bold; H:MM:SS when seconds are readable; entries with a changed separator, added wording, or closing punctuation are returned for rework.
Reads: **4:14**
